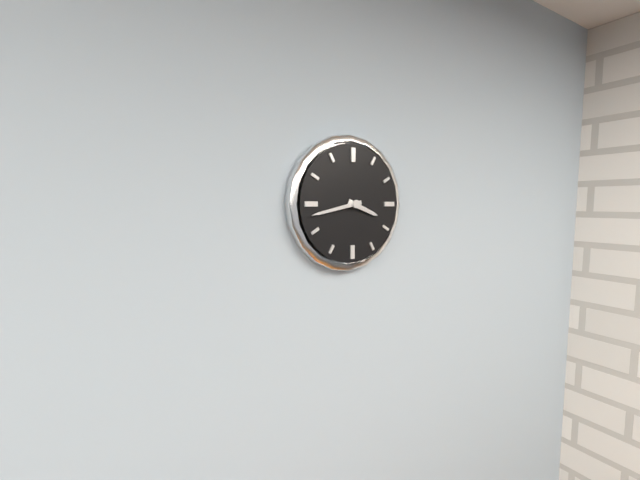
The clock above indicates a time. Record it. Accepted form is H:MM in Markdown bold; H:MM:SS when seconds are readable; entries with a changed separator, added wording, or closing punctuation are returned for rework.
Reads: **3:43**
